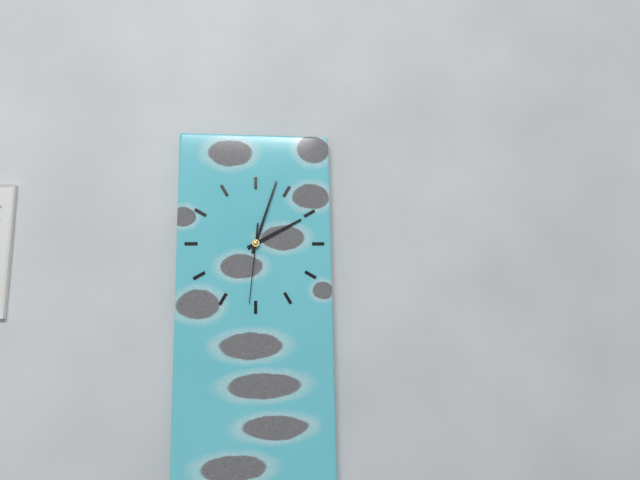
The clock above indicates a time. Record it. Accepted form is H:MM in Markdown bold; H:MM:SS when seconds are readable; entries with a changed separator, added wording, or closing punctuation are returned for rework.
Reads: **2:03:31**
